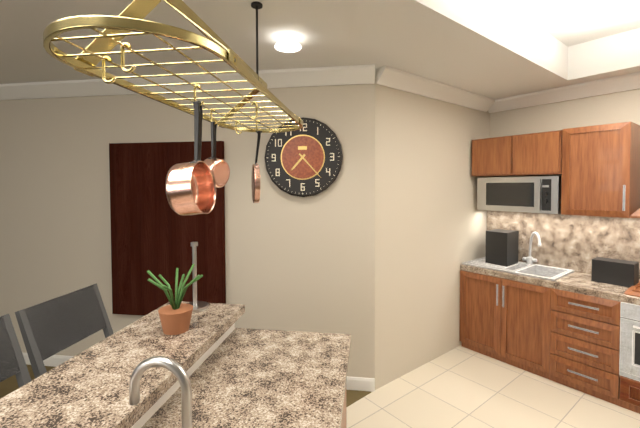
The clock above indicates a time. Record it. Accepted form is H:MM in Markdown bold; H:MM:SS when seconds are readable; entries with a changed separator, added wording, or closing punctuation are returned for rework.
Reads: **7:23**
